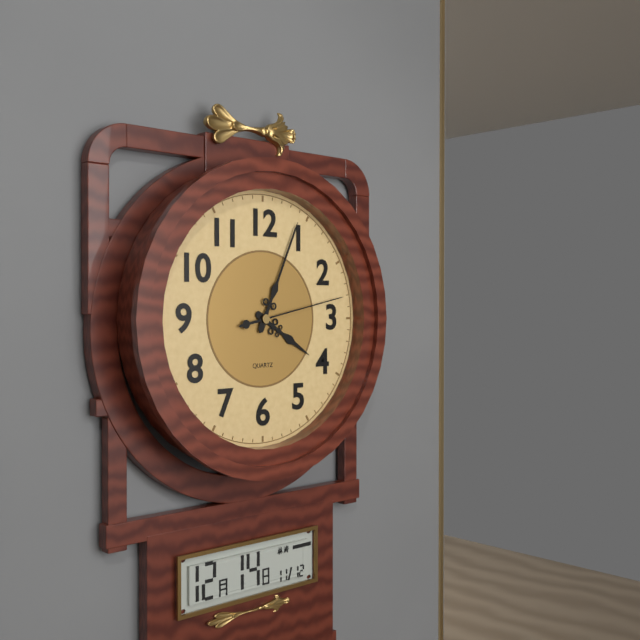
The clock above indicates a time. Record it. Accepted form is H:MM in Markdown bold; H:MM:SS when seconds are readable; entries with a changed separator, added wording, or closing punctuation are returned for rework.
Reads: **4:04:13**
